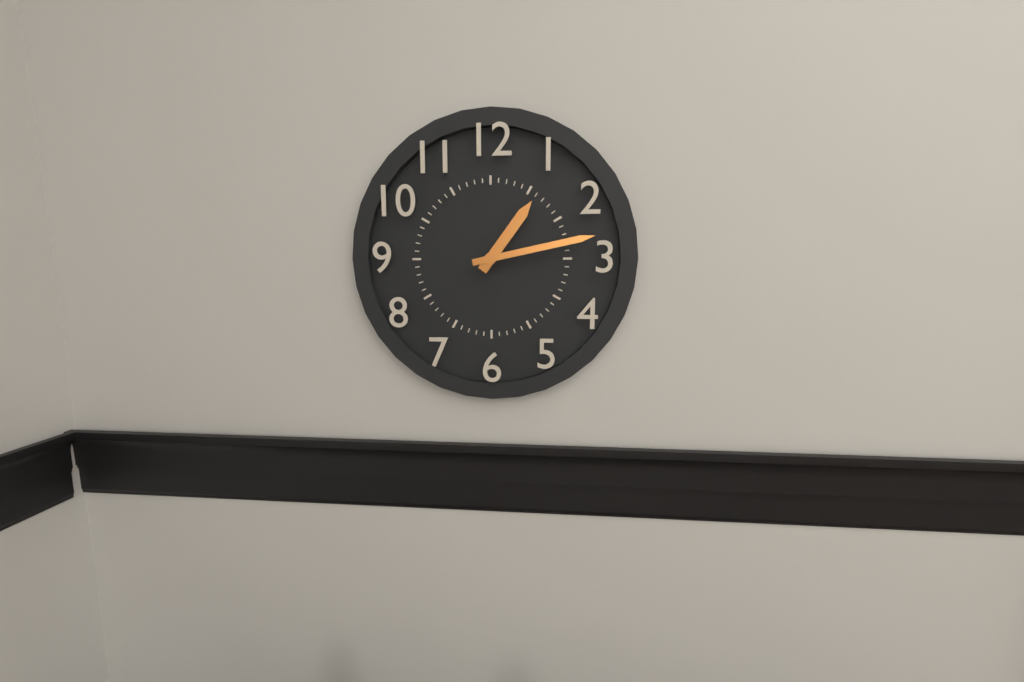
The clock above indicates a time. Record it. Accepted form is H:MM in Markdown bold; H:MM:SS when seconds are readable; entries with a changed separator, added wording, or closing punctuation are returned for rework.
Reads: **1:13**
